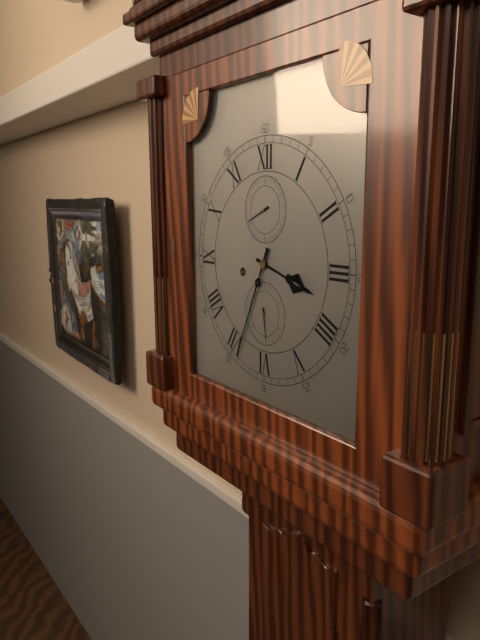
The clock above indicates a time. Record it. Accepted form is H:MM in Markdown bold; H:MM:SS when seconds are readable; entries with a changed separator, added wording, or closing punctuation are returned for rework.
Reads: **3:34**
